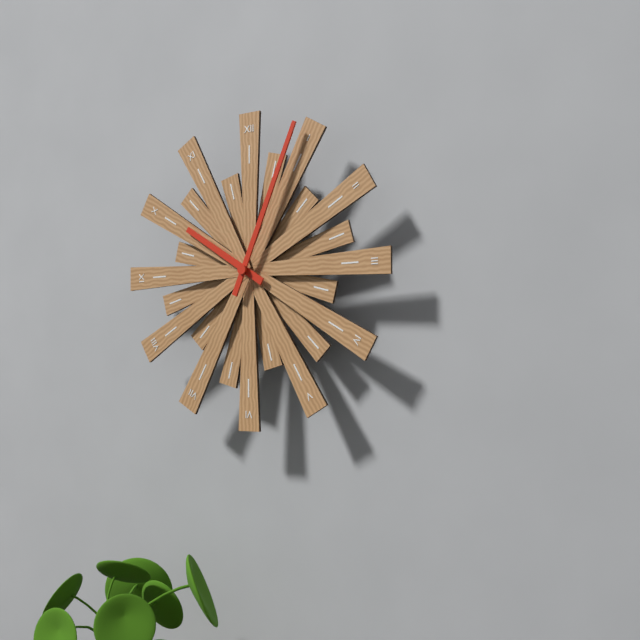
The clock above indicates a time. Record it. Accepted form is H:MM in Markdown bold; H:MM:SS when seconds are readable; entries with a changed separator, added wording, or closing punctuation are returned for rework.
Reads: **10:04**
